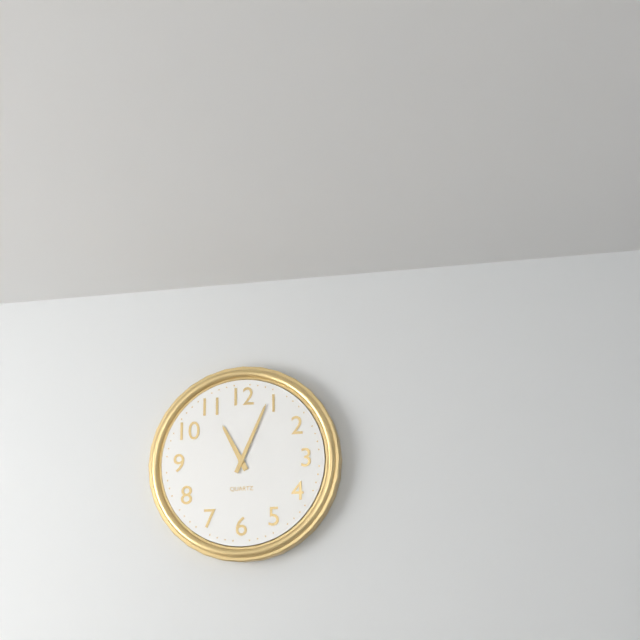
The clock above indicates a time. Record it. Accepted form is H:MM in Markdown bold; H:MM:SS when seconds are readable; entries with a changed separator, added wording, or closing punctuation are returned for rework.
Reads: **11:04**
